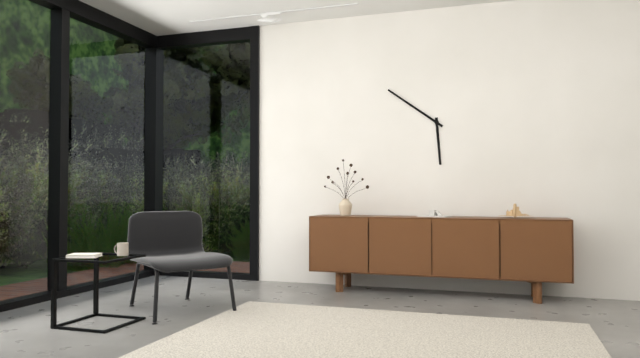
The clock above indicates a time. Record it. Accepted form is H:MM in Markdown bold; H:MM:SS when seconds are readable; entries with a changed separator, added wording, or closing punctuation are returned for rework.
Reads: **5:51**
